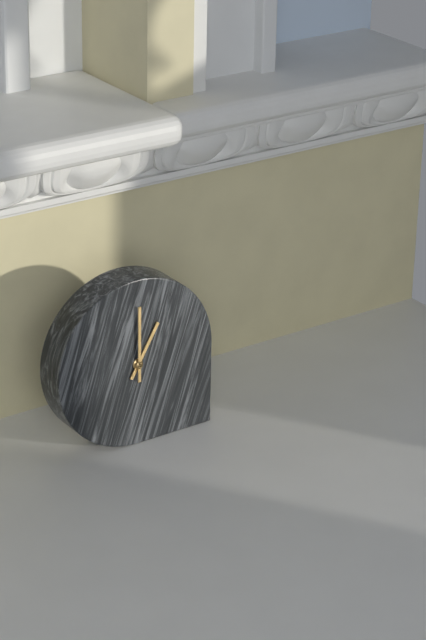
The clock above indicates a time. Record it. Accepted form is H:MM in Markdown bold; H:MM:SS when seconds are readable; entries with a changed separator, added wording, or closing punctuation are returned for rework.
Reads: **1:00**
